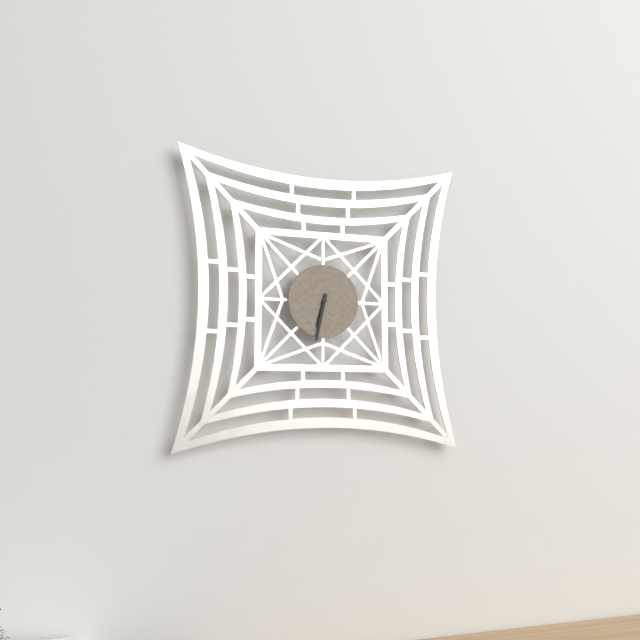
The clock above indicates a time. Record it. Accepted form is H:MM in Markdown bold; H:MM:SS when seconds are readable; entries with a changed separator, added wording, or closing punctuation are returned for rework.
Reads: **6:32**
